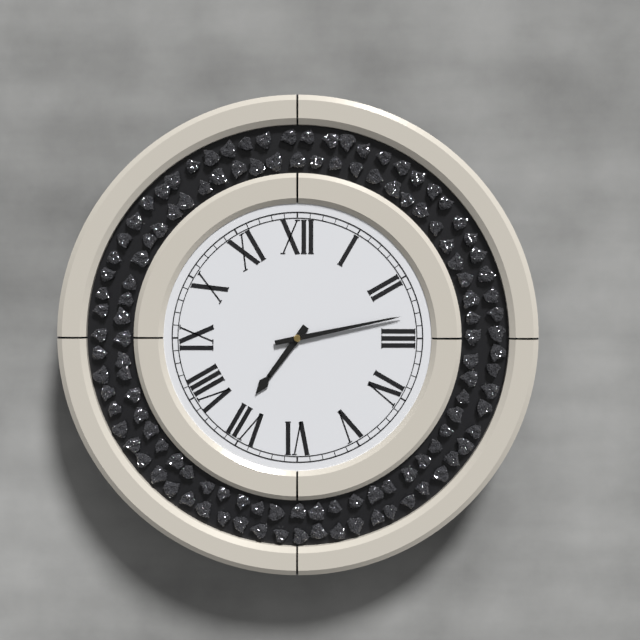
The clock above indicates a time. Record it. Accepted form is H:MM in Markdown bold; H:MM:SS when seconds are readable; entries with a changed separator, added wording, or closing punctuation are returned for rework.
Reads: **7:13**
